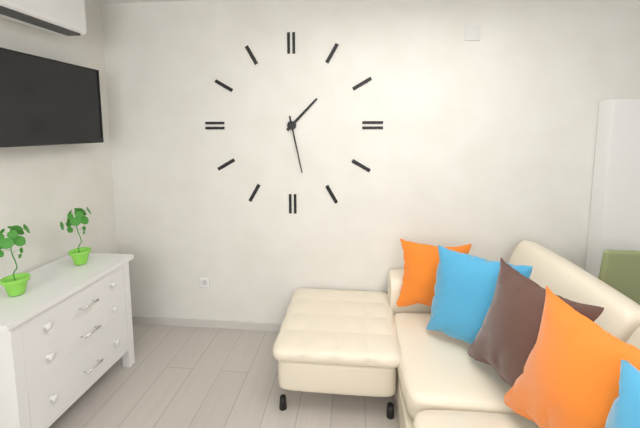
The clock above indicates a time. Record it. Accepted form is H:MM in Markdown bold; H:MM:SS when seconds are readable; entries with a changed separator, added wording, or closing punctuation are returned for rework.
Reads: **1:28**
